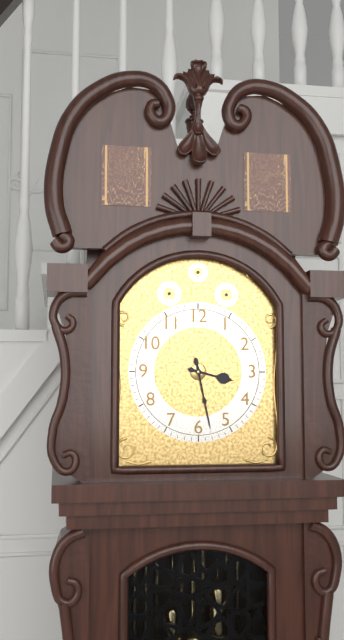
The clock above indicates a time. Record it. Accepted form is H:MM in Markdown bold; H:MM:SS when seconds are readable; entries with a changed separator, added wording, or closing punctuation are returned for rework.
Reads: **3:28**
